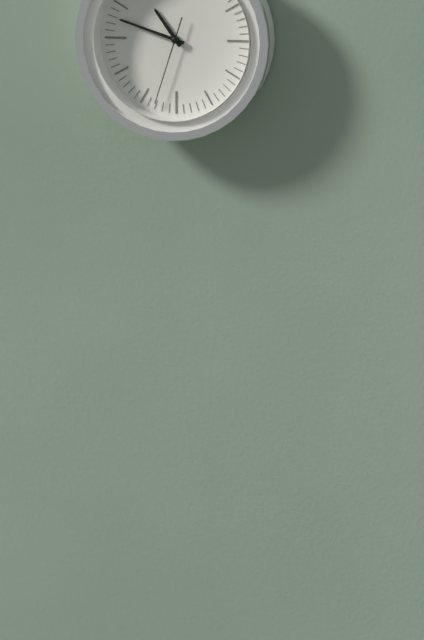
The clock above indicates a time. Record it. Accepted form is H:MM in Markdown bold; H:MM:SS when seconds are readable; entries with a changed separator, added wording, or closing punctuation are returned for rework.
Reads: **10:48:33**
